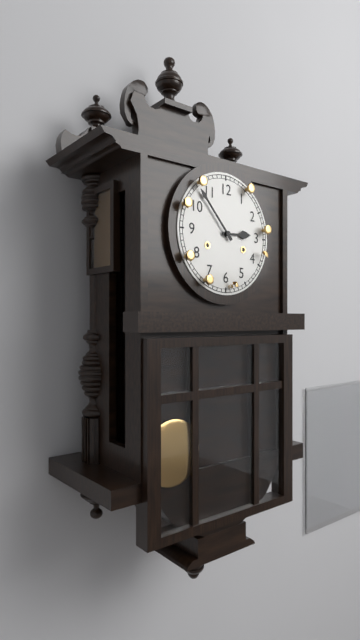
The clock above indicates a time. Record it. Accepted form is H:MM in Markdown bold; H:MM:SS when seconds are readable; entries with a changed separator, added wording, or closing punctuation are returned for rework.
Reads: **2:53**
